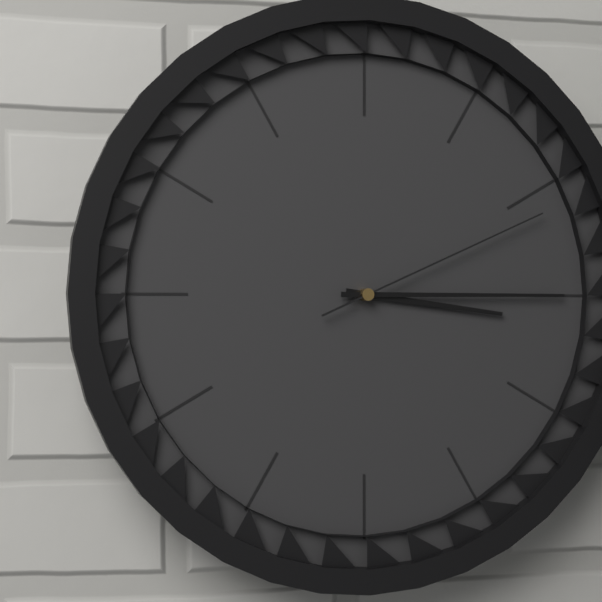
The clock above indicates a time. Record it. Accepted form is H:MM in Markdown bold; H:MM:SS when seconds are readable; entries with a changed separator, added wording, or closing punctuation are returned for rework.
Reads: **3:15:11**
